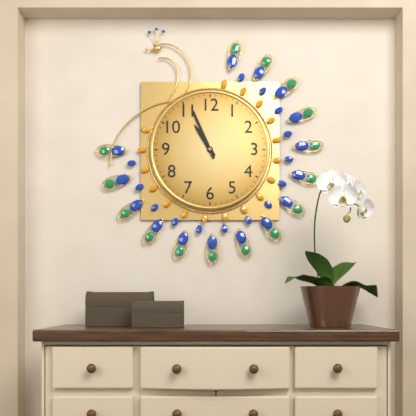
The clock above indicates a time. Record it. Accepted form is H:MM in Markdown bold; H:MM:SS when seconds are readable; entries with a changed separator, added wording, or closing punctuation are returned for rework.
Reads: **10:56**
